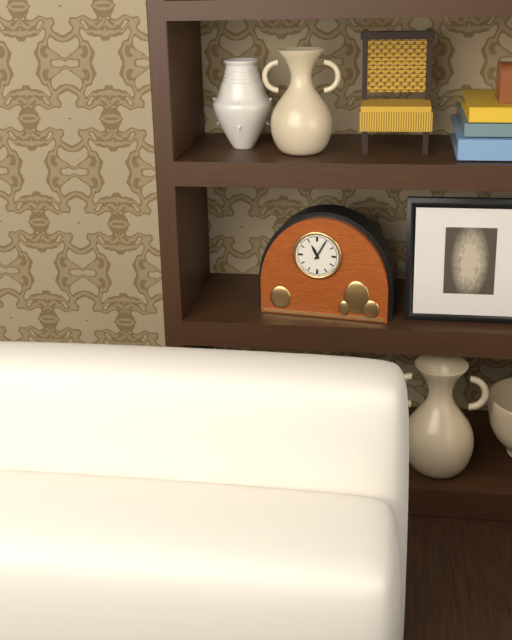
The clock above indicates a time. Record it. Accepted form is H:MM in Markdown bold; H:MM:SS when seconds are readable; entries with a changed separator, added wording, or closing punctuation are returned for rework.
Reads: **11:05**
